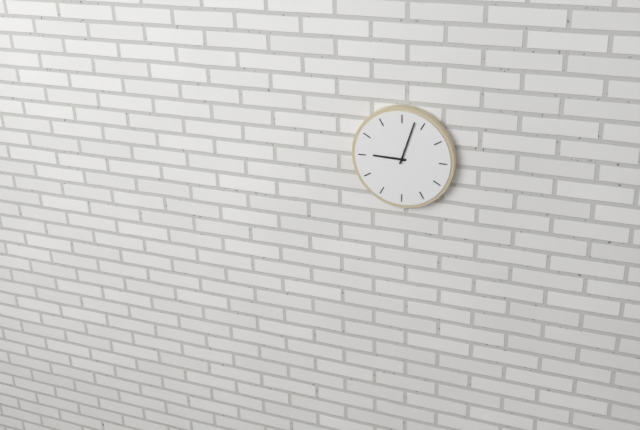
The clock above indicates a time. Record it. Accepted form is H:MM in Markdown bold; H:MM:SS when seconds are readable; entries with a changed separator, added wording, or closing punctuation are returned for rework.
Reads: **9:03**
